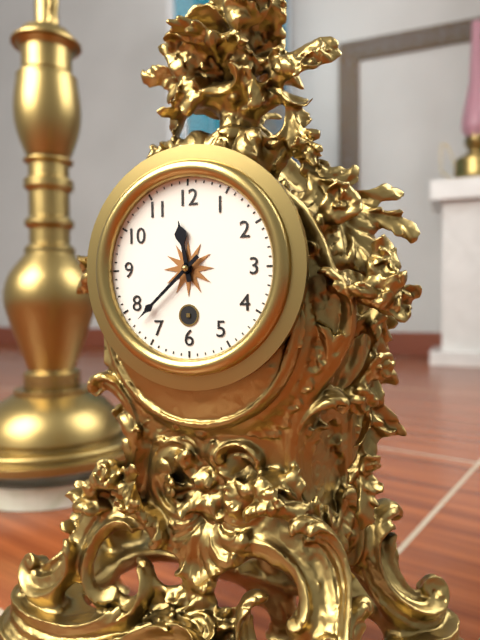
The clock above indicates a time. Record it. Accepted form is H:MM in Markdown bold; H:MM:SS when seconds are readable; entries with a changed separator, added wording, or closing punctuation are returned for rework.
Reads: **11:38**
